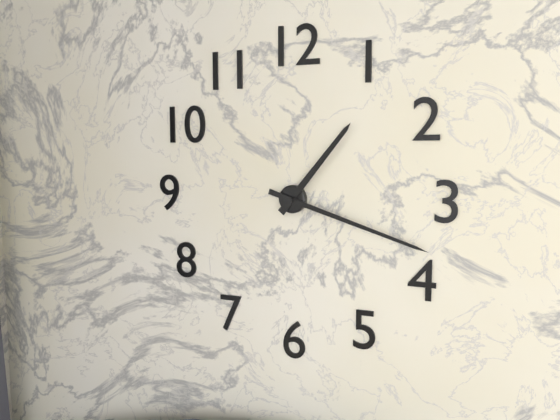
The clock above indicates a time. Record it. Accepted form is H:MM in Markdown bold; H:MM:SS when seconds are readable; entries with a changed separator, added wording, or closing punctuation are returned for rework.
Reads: **1:18**
